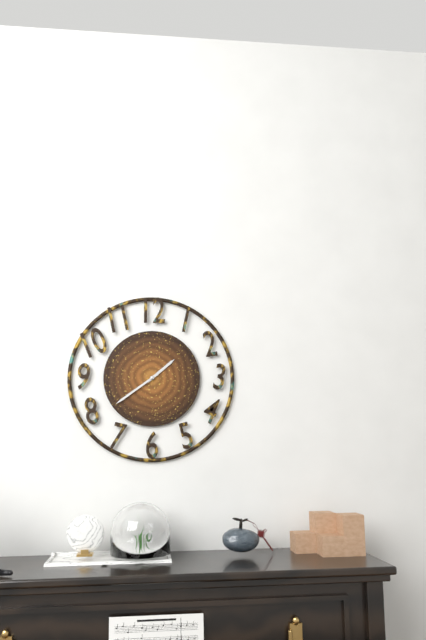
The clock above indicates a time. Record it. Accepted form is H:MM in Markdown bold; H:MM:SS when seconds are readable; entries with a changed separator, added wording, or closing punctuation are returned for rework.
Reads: **1:39**
